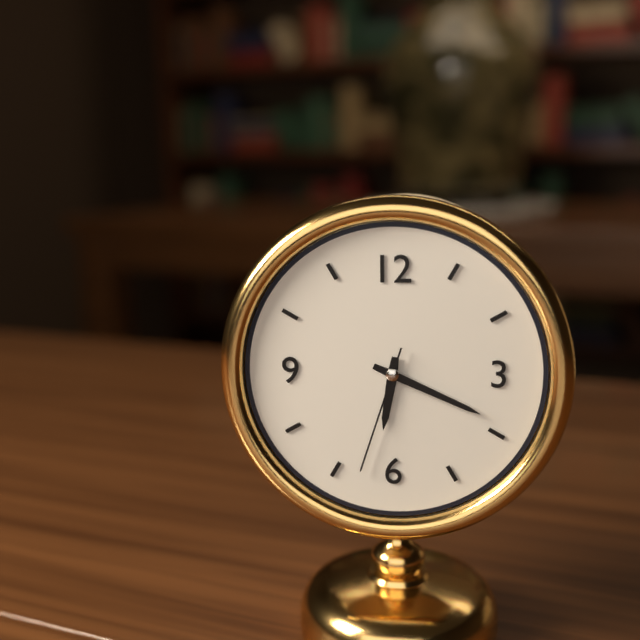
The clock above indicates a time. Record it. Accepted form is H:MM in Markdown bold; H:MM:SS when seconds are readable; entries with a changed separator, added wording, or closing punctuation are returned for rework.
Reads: **6:19:33**
